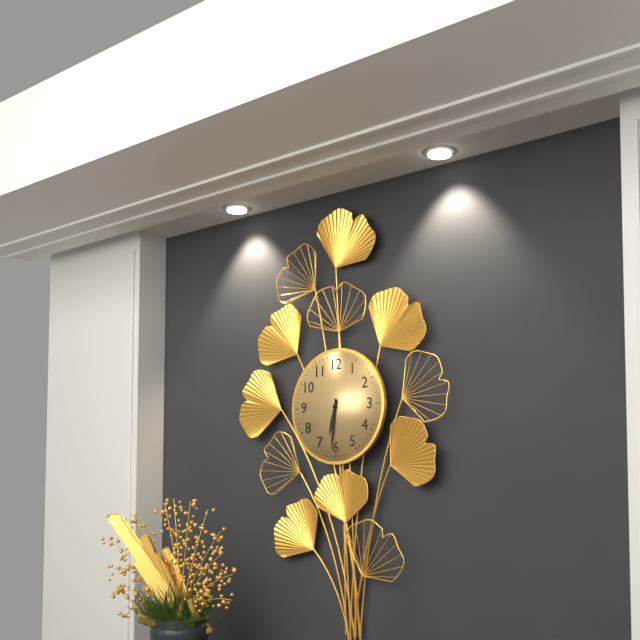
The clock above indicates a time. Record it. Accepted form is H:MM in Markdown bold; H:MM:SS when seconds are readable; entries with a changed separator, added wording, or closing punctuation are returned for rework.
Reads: **6:31**
